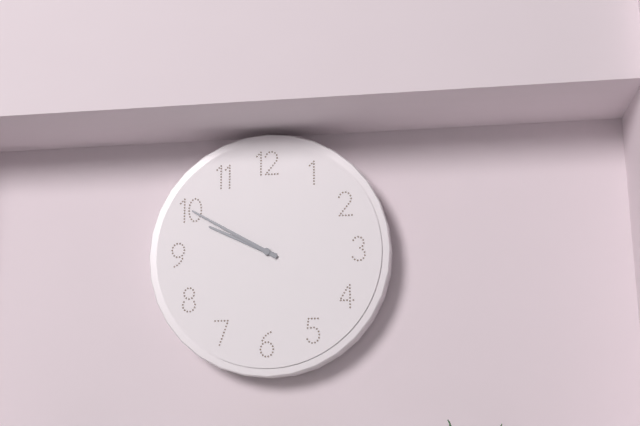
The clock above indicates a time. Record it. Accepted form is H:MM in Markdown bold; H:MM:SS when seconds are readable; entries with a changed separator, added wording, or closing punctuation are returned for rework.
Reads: **9:50**
